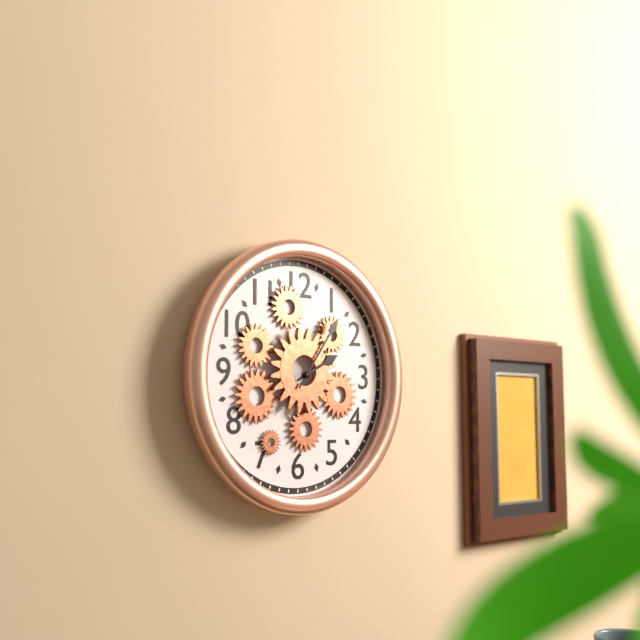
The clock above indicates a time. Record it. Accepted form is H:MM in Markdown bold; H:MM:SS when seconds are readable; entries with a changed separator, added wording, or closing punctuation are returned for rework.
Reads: **2:06**
